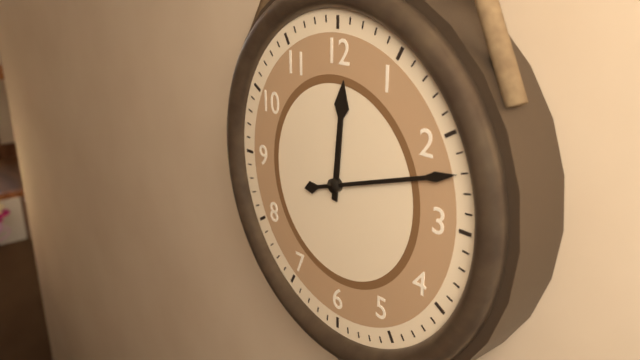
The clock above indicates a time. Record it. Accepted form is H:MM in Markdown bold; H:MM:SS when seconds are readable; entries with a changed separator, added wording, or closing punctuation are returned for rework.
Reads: **12:12**
